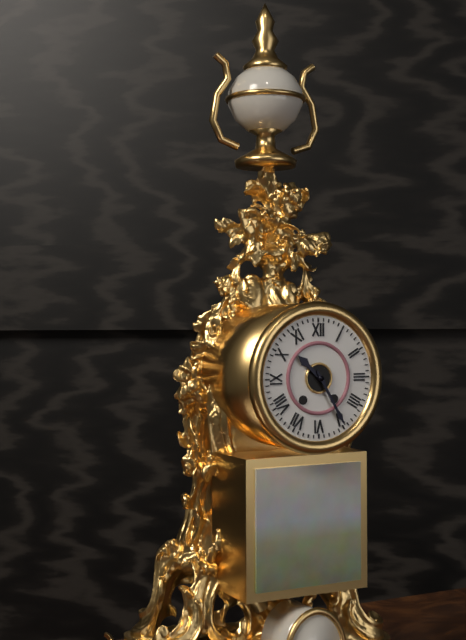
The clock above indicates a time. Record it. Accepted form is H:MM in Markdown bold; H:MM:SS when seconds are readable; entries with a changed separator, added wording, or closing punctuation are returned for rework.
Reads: **10:25**
